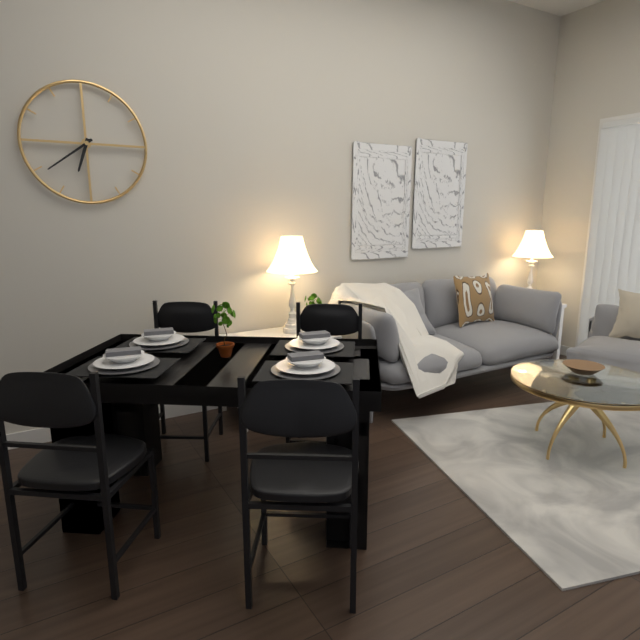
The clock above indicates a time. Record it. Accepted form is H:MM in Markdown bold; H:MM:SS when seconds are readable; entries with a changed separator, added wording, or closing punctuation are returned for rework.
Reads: **6:39**
